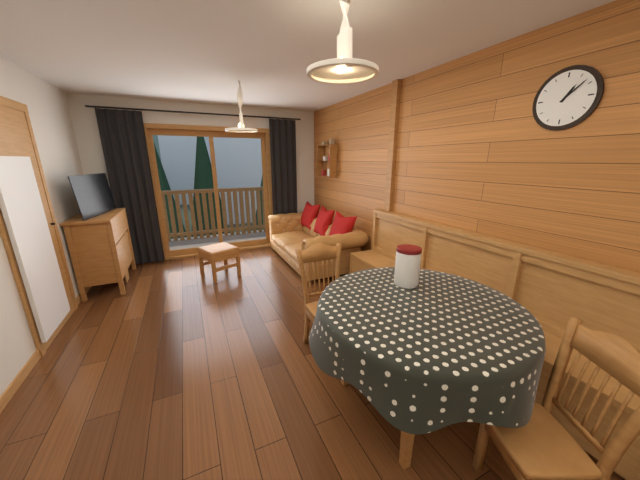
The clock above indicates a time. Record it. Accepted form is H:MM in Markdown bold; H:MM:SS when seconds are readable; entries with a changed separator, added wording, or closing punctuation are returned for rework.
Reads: **1:08**
